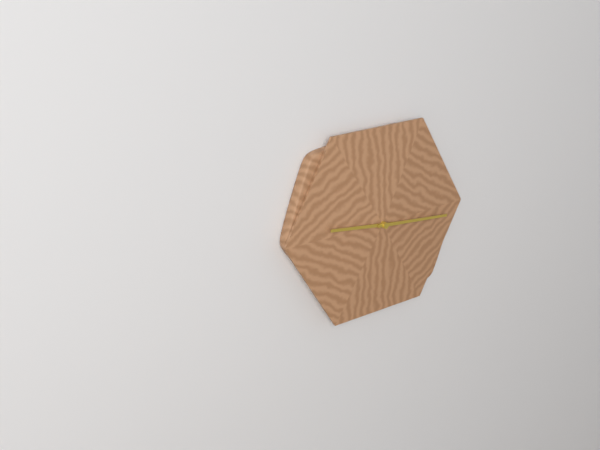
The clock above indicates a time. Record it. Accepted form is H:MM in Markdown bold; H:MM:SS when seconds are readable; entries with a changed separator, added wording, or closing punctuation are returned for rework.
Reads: **9:16**
